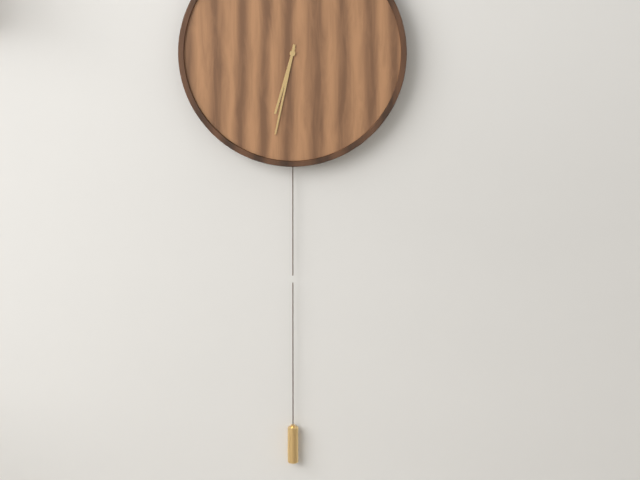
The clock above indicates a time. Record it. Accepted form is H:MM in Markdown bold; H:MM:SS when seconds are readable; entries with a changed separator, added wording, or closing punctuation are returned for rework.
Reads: **6:32**
